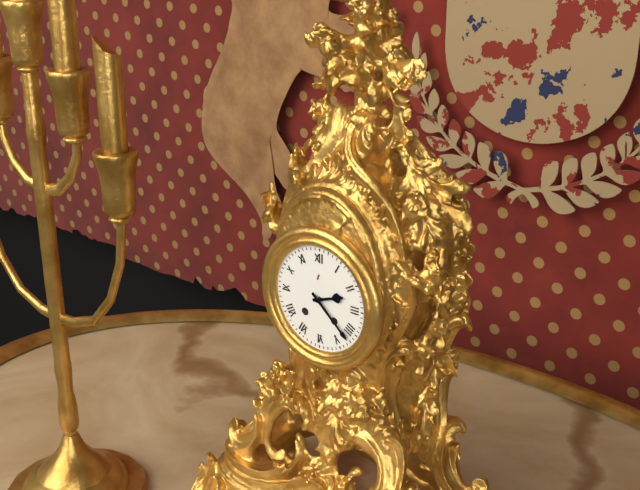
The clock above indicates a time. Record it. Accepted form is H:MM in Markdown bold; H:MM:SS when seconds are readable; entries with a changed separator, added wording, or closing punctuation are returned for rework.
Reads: **2:22**
